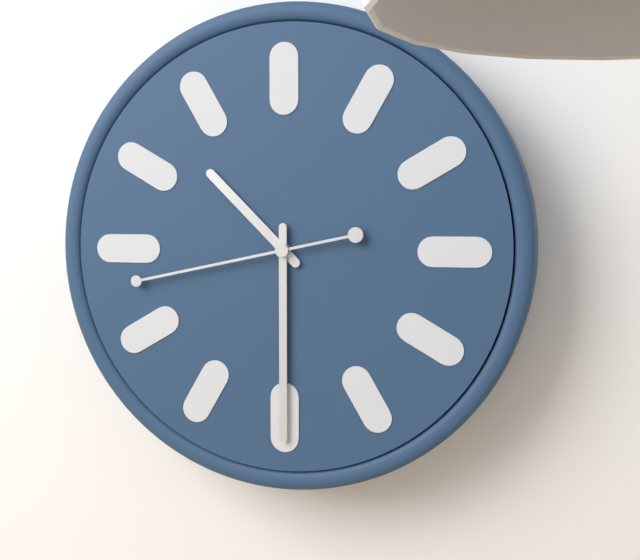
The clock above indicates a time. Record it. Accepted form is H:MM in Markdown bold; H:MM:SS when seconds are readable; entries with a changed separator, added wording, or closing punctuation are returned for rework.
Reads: **10:30:43**
